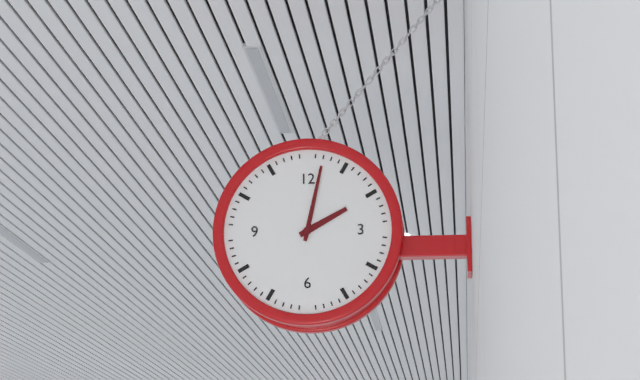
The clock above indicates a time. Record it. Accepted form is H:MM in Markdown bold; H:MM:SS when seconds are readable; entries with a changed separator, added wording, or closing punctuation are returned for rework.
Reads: **2:02**
